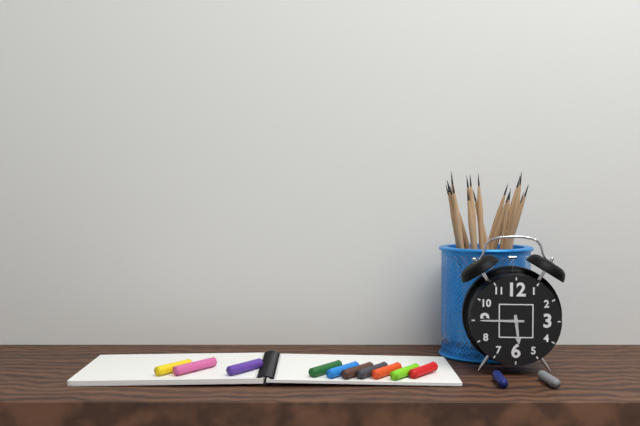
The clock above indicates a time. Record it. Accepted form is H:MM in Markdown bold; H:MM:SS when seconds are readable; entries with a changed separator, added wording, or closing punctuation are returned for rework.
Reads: **5:45**
